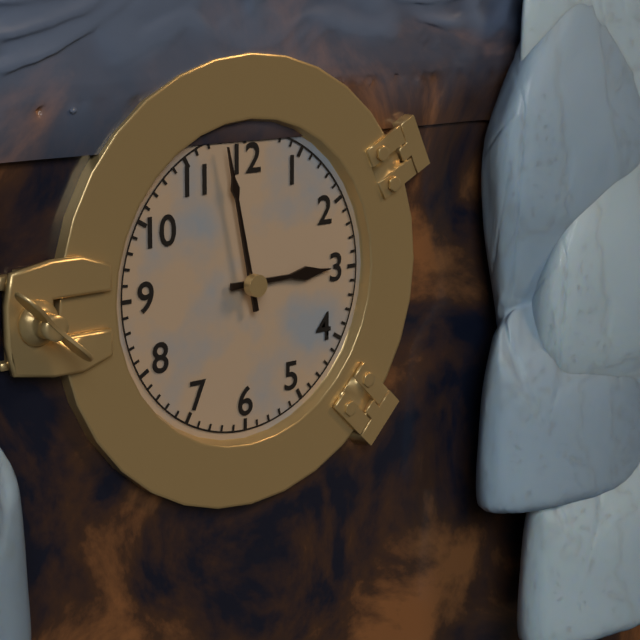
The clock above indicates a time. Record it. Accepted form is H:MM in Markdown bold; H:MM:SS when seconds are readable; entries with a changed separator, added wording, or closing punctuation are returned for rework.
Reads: **2:58**
